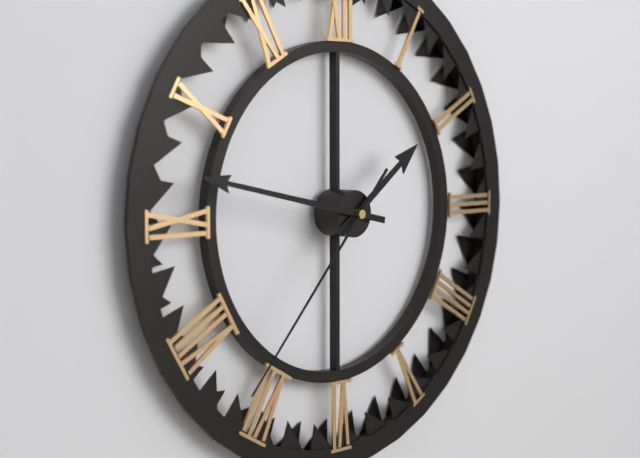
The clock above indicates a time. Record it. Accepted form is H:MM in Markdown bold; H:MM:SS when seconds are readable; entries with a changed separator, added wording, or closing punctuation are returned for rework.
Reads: **1:47:37**
